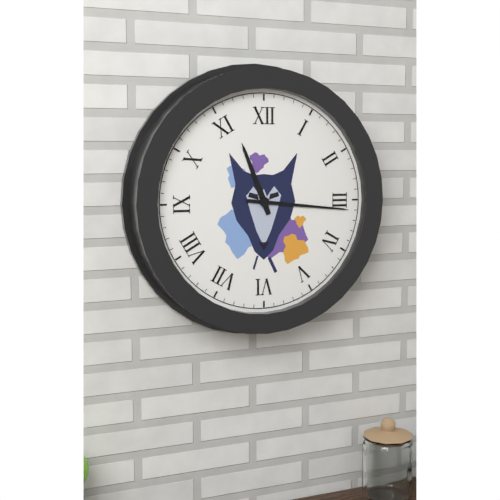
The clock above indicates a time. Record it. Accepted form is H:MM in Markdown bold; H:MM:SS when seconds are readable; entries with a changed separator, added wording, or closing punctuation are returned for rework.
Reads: **11:16**
